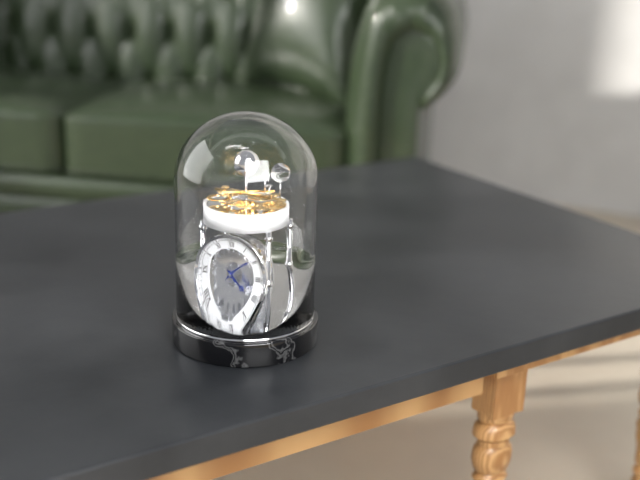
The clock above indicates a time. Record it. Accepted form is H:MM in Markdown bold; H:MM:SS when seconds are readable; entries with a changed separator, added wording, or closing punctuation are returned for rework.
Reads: **4:09**
